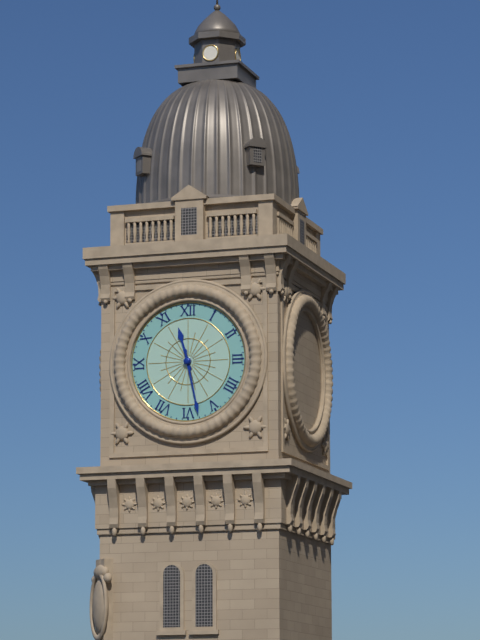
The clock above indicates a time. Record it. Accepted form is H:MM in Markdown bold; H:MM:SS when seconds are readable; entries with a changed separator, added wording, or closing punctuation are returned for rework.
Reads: **11:28**
